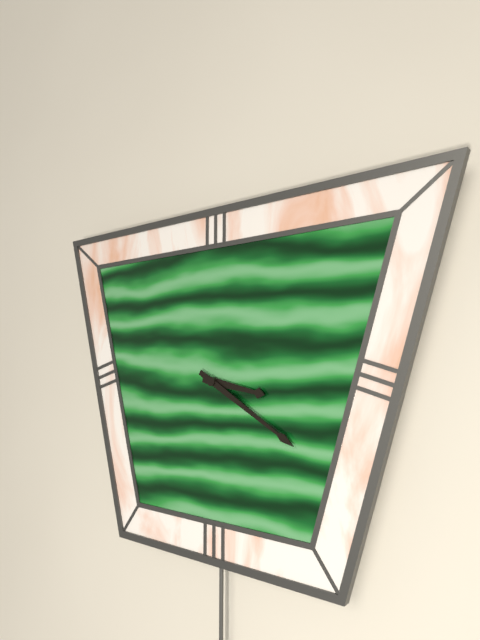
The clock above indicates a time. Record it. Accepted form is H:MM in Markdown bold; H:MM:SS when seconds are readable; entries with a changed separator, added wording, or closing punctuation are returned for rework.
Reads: **3:20**
